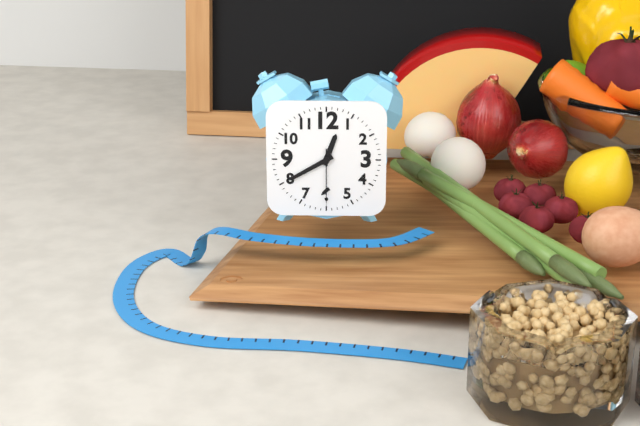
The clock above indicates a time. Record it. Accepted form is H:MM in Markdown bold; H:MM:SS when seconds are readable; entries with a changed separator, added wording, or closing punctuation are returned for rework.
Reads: **12:40:30**
